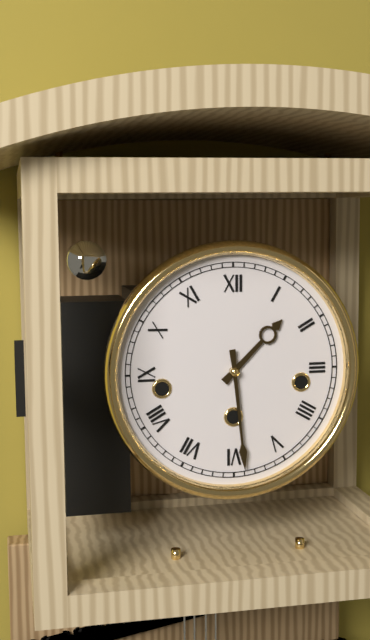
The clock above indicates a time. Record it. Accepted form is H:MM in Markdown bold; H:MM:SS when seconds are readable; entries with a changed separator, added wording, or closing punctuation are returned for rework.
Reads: **1:29**
